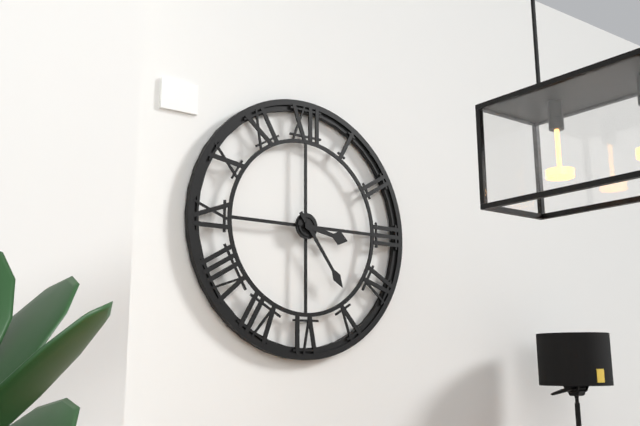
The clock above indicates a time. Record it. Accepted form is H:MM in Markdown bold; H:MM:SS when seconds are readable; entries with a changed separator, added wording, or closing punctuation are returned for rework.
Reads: **3:24**
